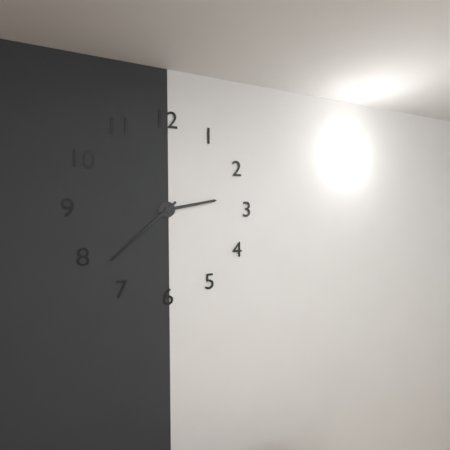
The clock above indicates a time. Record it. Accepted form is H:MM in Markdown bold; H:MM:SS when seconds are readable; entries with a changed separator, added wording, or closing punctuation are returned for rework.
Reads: **2:38**
